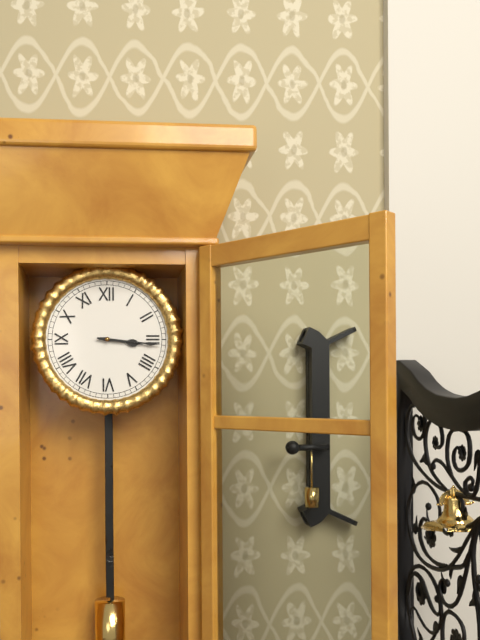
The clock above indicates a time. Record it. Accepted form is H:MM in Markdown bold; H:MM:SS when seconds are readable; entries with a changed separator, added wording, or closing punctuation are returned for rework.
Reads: **3:16**
